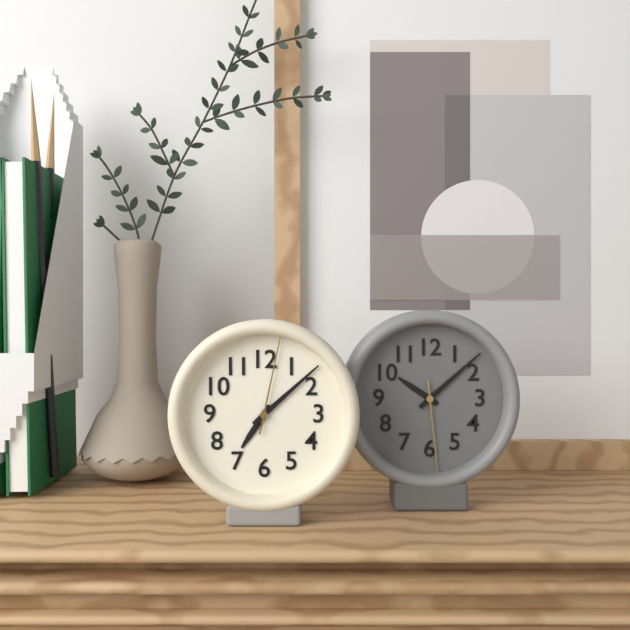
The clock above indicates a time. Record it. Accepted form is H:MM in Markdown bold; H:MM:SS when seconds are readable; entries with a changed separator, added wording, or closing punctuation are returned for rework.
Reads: **7:08:02**
